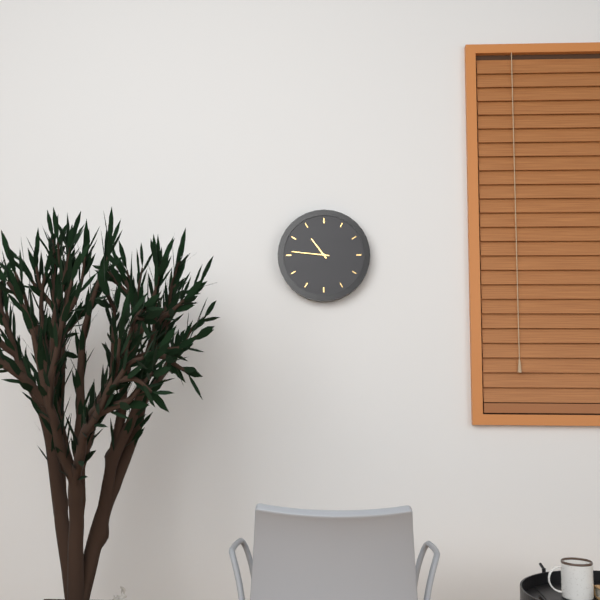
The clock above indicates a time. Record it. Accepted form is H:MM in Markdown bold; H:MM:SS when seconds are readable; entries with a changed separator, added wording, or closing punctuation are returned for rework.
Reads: **10:46**
